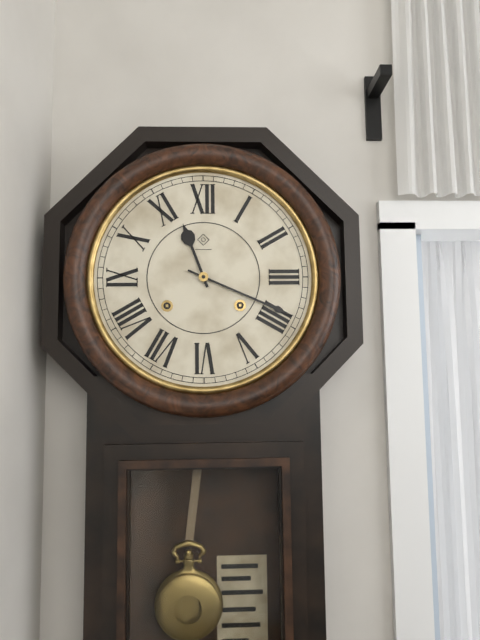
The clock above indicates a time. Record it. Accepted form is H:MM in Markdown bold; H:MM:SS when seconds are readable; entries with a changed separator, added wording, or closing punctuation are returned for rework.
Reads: **11:19**
